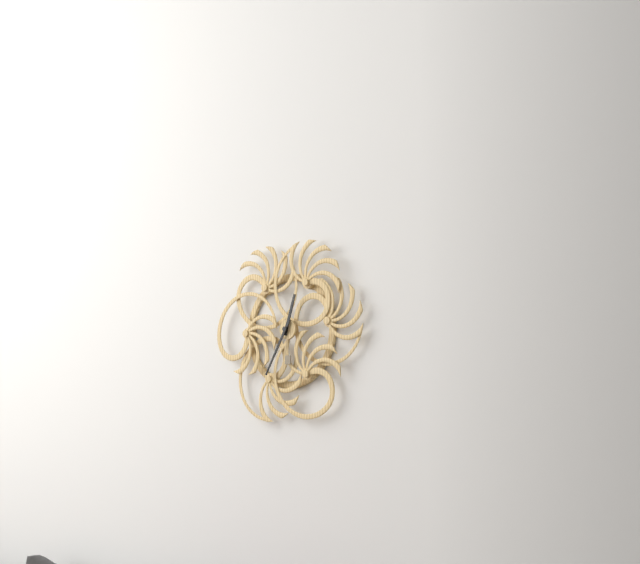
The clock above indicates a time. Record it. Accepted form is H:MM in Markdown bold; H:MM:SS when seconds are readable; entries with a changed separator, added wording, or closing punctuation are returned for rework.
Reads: **12:35**
